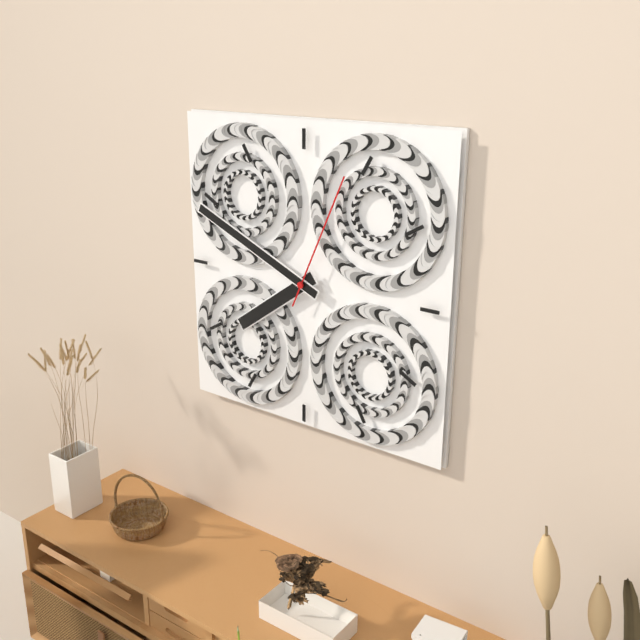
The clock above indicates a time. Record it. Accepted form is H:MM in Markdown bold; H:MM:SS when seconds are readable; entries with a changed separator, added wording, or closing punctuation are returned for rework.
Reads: **7:49:04**
